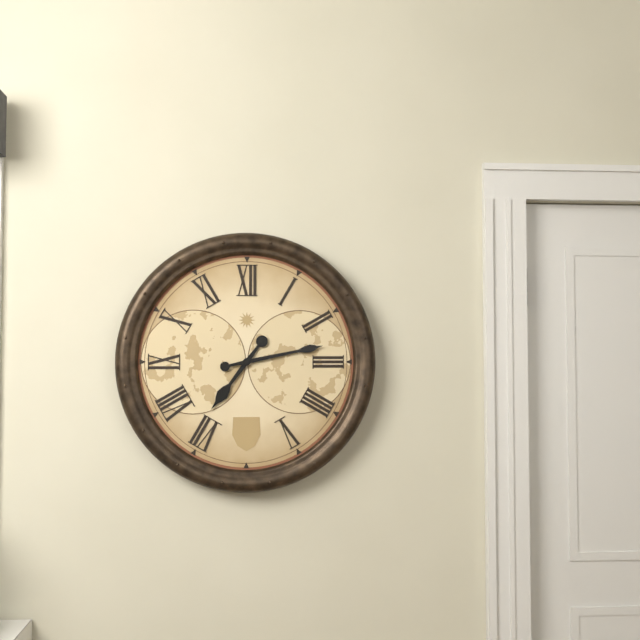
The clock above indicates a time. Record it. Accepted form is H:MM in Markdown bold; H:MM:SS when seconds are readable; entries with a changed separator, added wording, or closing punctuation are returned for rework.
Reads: **7:13**
